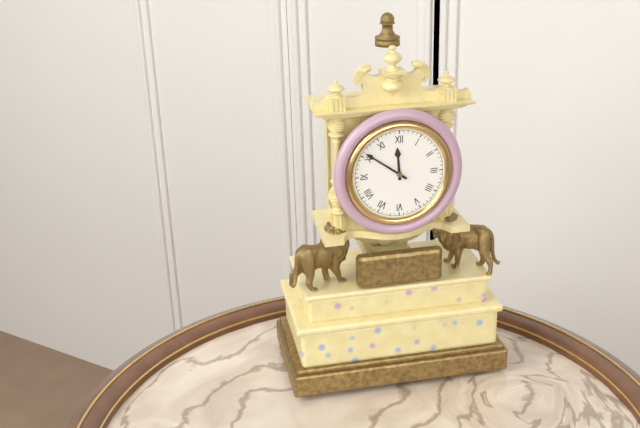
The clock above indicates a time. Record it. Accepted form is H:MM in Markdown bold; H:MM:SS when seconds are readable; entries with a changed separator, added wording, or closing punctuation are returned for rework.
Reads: **11:51**
